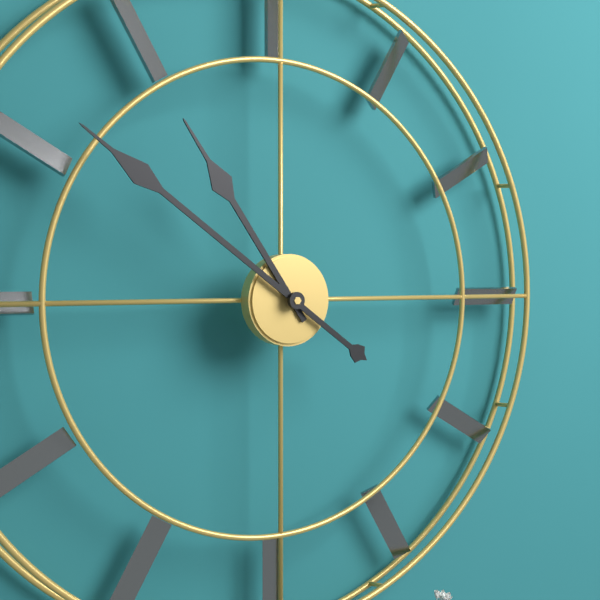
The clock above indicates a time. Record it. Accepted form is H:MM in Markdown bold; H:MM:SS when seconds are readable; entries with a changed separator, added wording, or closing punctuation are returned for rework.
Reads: **10:51**
